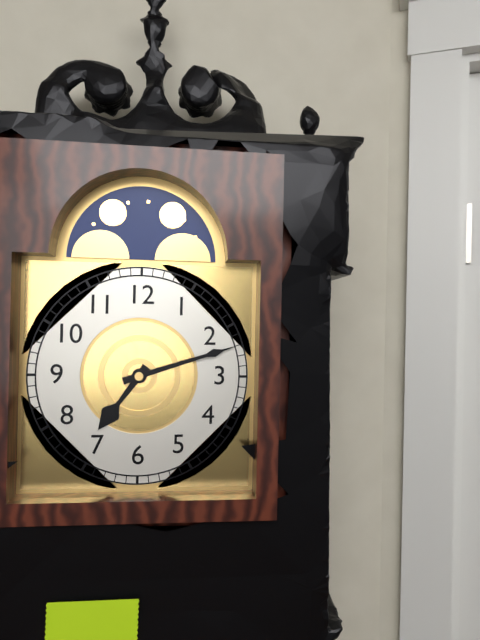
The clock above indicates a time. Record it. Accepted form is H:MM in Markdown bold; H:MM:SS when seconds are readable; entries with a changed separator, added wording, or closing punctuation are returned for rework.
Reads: **7:12**
